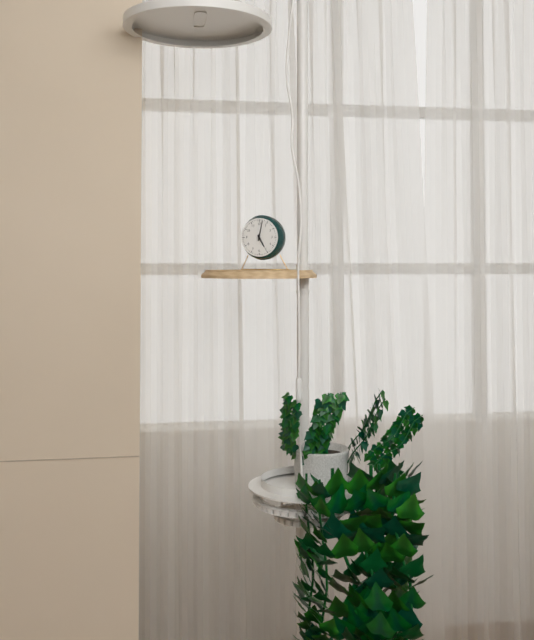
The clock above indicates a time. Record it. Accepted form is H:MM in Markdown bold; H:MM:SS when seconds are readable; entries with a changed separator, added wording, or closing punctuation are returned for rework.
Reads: **5:02**
